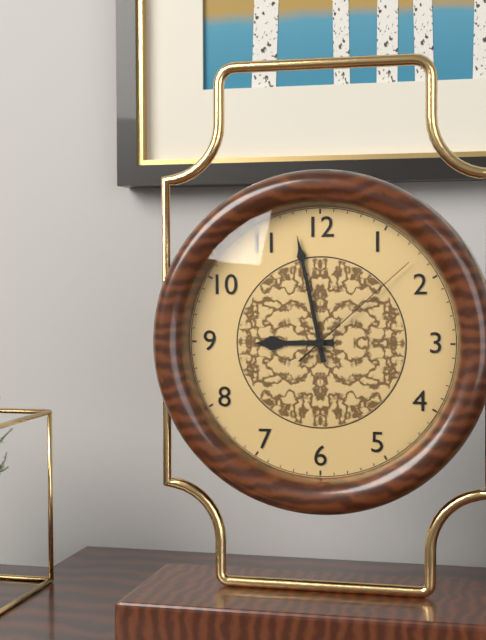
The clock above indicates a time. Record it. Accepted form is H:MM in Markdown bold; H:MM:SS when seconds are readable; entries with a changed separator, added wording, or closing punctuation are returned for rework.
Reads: **8:58:08**
